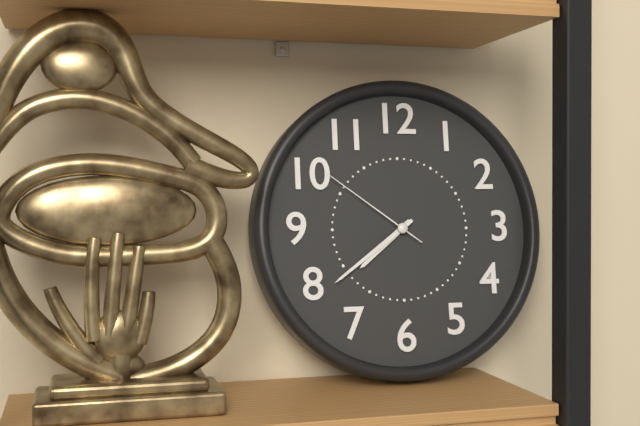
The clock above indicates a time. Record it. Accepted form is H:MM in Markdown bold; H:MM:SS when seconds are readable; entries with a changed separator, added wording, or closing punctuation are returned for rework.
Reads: **7:39:51**
